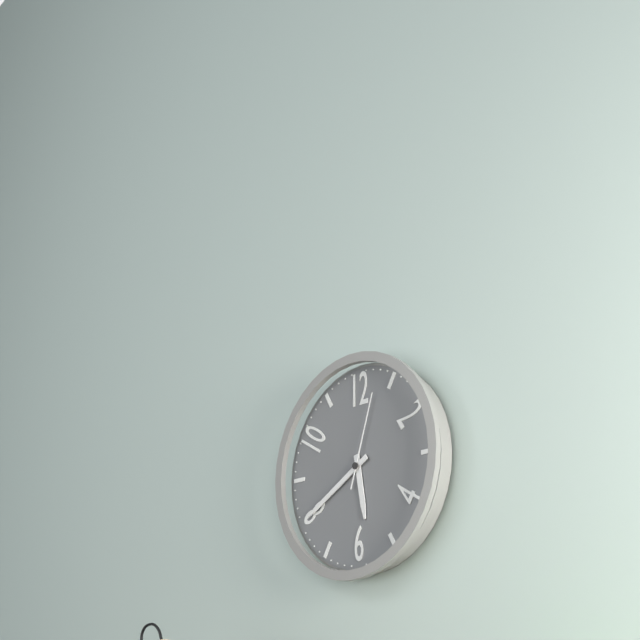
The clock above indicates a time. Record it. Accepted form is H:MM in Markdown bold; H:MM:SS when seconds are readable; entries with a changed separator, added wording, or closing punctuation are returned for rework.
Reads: **5:40:03**
